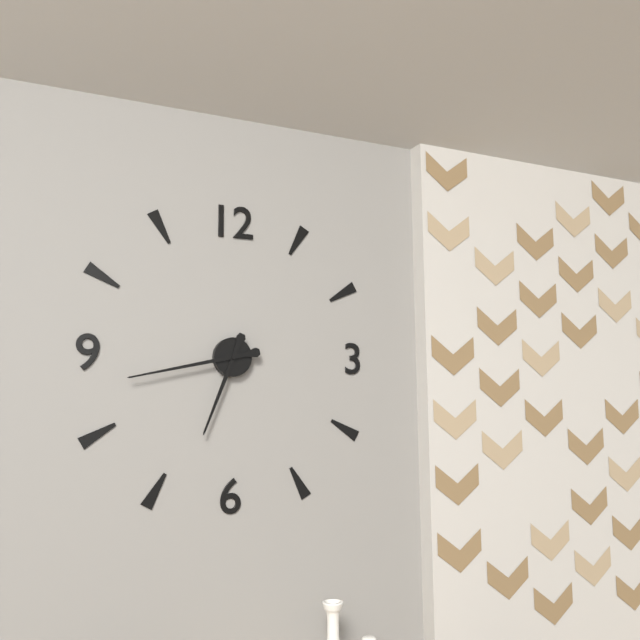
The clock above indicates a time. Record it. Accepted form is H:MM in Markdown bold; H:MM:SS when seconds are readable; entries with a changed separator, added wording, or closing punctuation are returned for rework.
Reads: **6:43**
